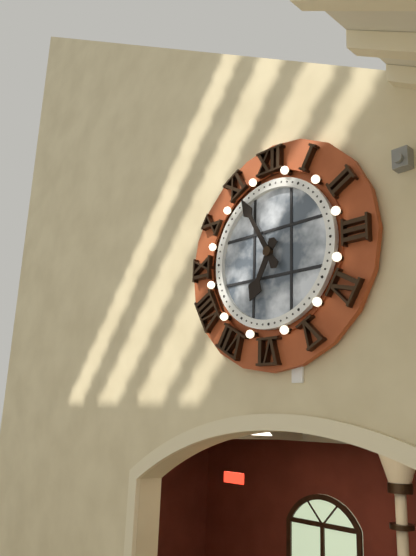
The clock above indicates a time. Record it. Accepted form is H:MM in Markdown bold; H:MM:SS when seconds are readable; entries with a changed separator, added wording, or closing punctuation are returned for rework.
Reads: **6:55**
